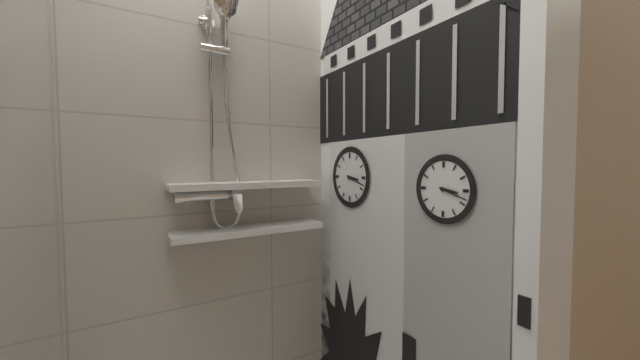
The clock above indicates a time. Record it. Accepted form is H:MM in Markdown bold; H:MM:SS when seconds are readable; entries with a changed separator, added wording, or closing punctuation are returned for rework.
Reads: **3:18**
